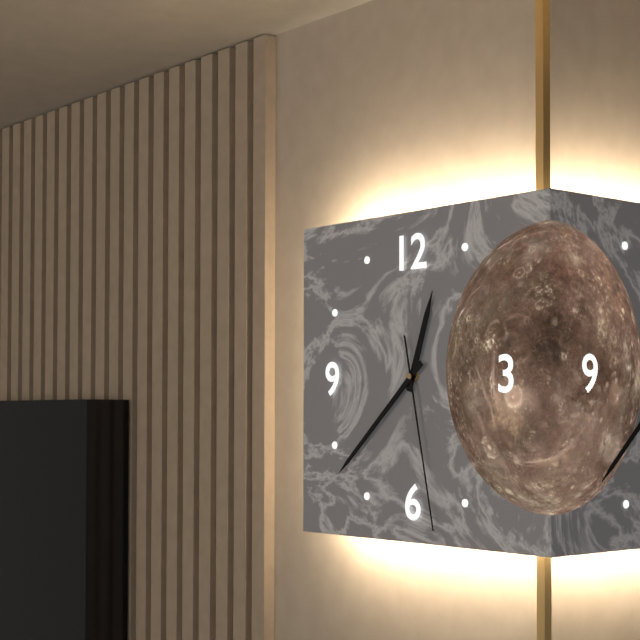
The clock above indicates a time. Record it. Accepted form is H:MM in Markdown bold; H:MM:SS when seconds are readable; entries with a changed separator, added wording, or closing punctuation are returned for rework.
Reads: **12:38:28**
